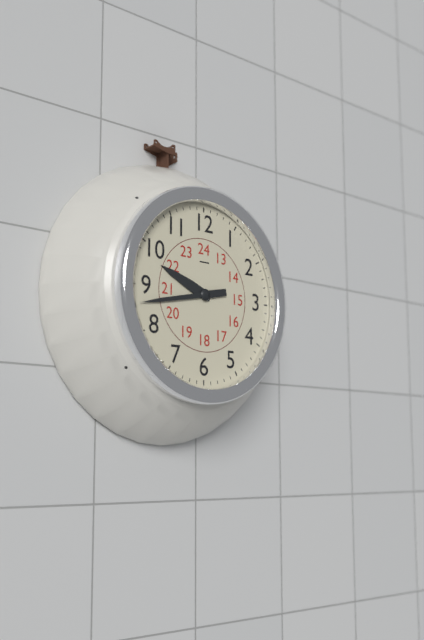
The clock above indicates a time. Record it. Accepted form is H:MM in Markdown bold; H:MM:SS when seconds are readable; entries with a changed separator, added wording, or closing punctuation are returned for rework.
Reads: **9:43**
